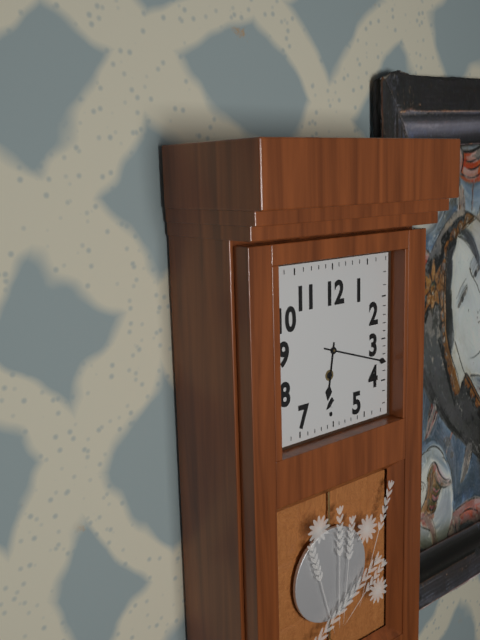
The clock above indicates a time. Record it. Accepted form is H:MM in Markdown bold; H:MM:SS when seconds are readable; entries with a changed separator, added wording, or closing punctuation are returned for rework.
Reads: **6:18**
